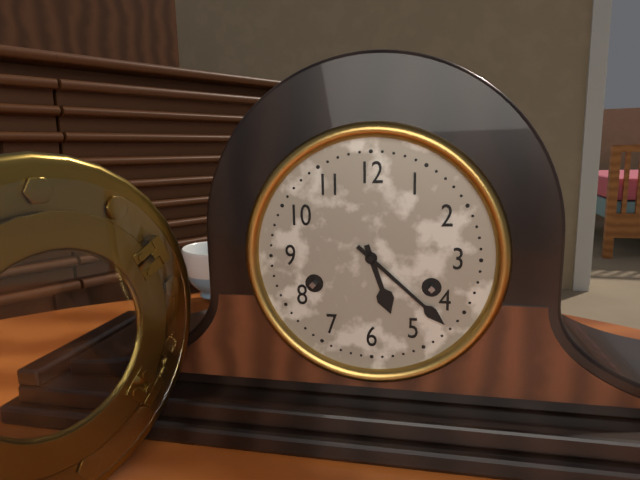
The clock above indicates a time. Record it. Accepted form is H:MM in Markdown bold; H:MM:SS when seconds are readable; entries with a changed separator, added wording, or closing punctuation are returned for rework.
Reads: **5:22**
